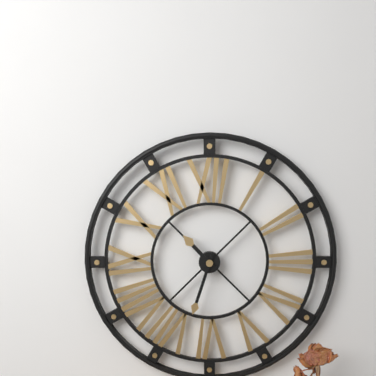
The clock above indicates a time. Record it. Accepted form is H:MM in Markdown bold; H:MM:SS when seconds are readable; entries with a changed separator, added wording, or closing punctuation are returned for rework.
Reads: **10:33**
